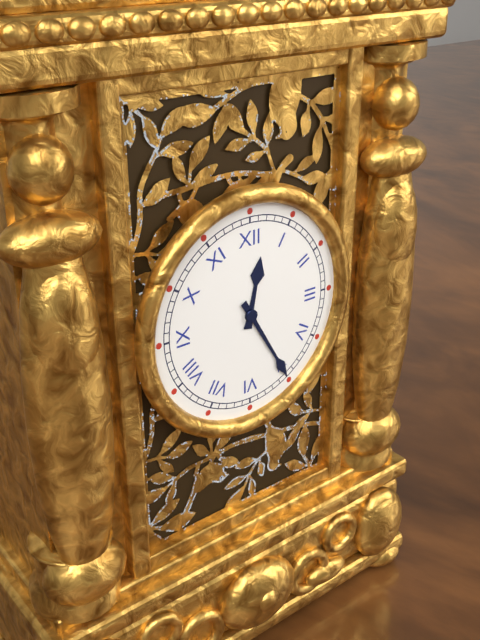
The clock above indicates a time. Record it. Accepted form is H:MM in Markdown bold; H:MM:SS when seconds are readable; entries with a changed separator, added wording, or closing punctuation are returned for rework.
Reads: **12:25**
